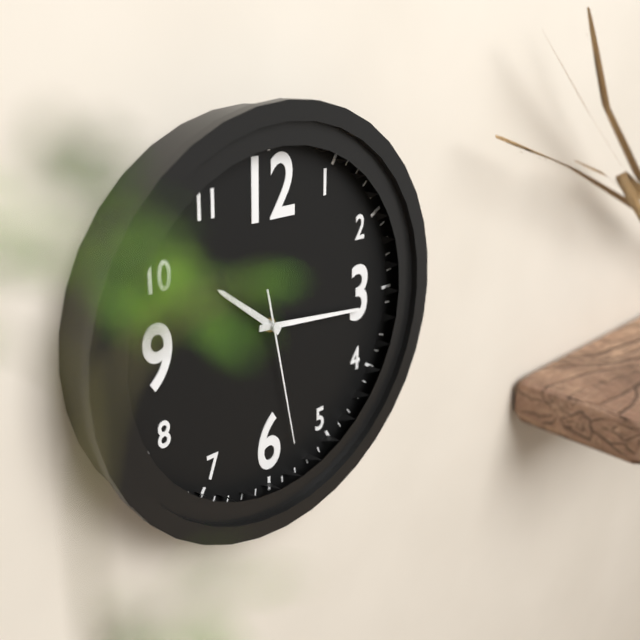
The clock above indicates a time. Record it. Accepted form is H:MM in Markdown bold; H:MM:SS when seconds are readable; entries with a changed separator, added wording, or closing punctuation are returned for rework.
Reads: **10:16:28**
